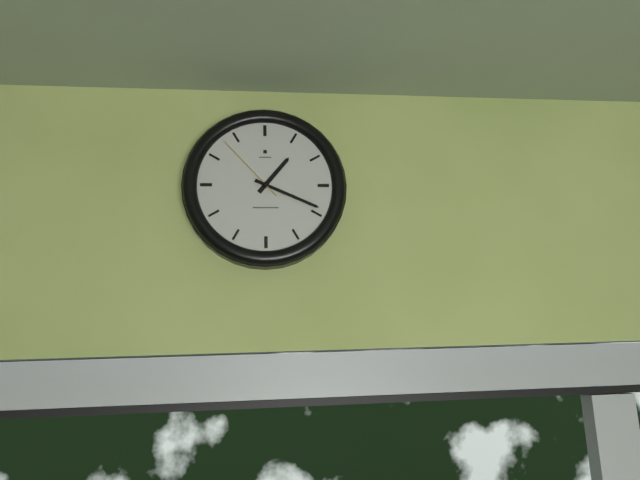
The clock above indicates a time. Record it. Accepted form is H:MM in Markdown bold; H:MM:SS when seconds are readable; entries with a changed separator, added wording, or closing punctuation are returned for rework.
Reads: **1:19:53**
